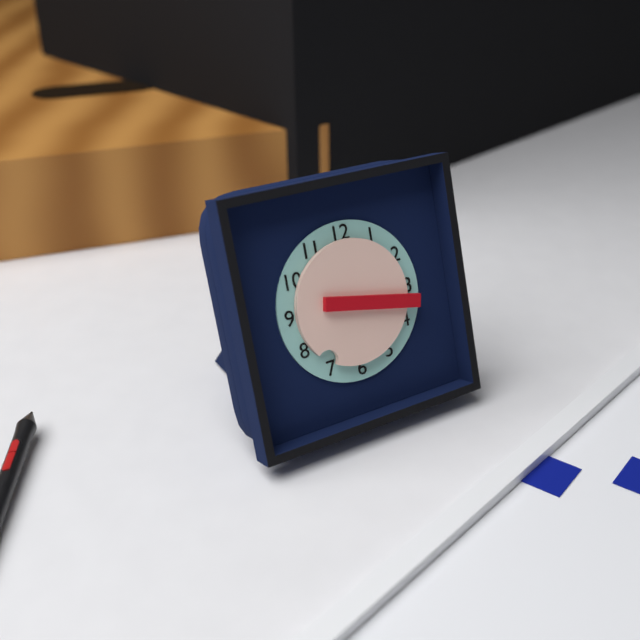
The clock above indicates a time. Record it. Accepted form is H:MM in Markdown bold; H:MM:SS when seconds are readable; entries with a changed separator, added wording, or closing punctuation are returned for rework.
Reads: **7:17**
